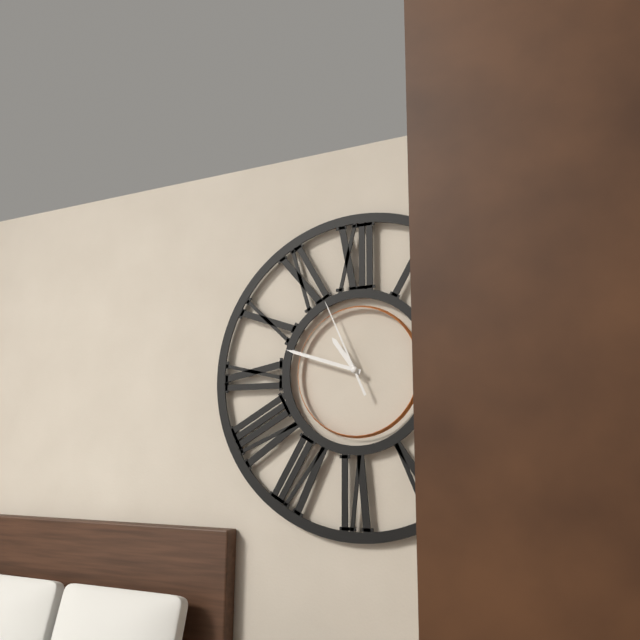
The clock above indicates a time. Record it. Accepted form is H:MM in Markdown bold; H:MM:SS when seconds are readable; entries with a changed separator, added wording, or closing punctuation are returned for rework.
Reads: **10:48:56**
